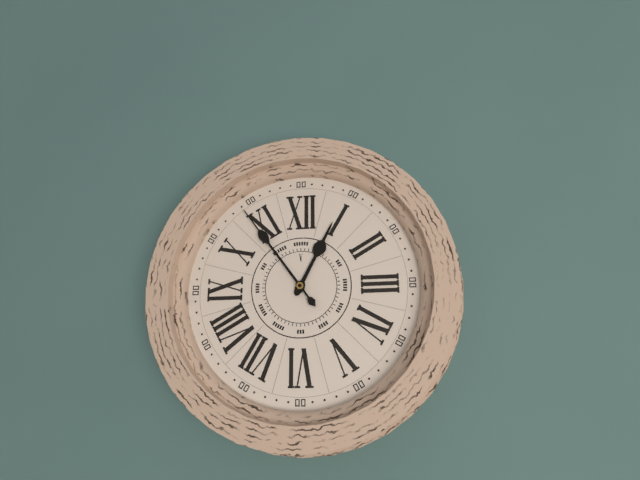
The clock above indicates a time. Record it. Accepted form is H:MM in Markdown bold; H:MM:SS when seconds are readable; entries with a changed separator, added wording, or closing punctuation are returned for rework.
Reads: **12:54**
